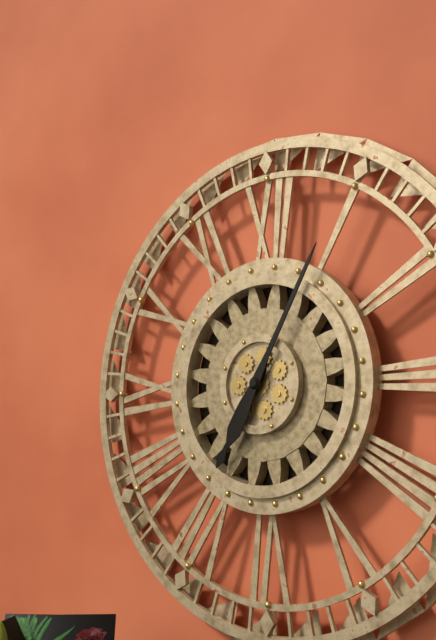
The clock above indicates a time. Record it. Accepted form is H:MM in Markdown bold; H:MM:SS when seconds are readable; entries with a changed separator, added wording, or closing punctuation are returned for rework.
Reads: **7:05**
